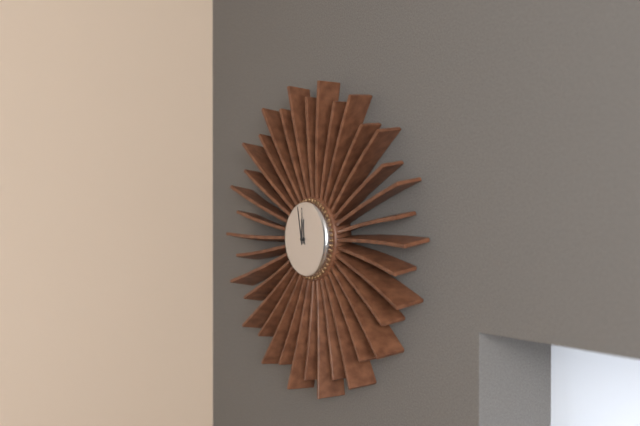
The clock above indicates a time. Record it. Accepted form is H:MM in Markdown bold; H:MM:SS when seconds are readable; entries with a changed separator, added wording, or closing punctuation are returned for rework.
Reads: **11:58**
